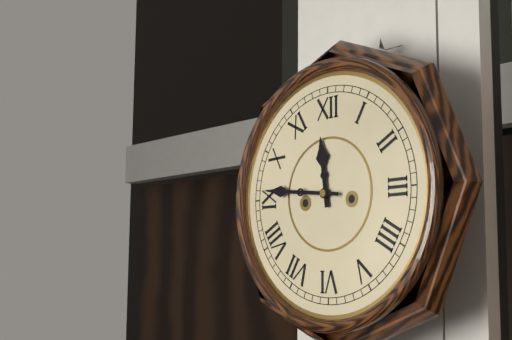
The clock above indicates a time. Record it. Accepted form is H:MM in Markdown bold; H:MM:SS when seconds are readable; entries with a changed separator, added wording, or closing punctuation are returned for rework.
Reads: **11:46**
